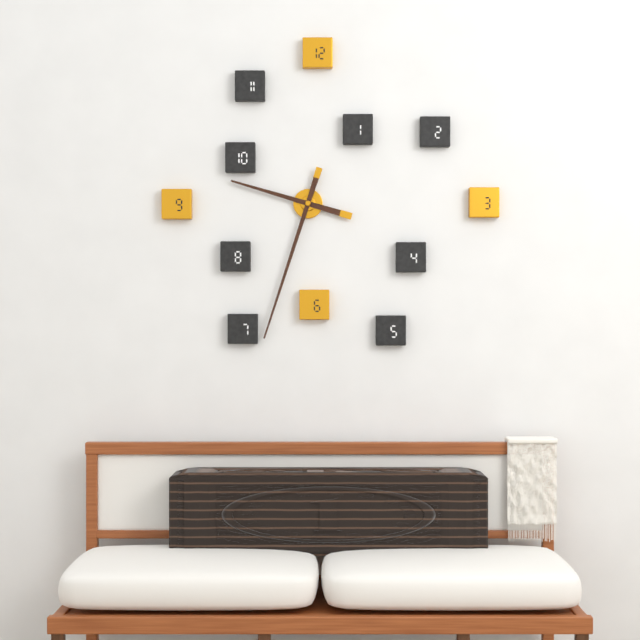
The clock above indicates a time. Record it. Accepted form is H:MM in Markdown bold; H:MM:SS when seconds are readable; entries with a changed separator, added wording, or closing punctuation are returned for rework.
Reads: **9:33**
